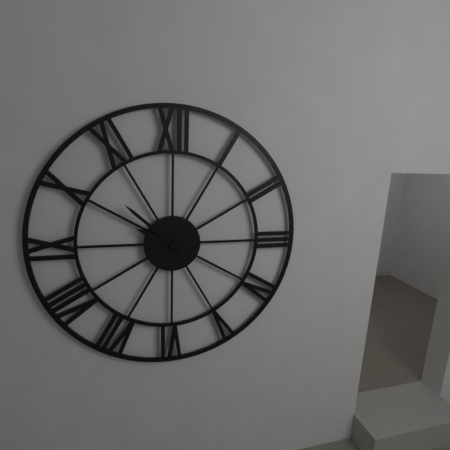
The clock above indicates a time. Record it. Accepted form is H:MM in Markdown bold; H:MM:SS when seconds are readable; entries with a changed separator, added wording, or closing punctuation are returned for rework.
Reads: **9:52**
